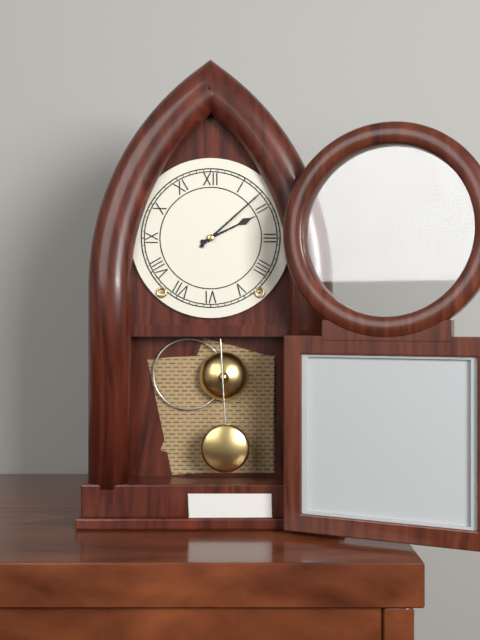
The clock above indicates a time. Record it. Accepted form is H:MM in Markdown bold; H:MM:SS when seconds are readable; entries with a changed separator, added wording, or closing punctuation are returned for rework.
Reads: **2:08**
